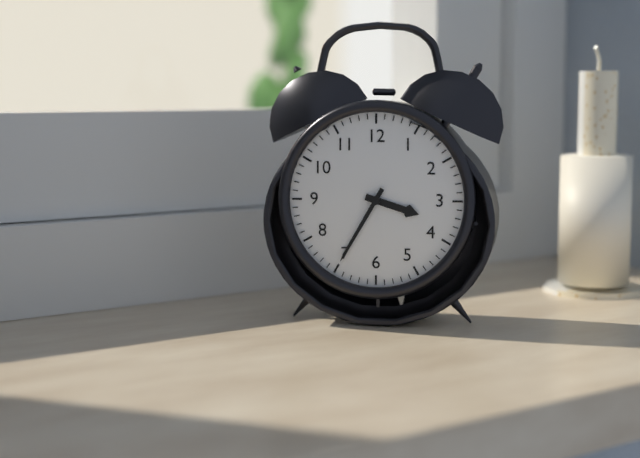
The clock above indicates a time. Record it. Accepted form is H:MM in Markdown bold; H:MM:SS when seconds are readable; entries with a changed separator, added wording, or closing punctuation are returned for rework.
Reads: **3:35**
